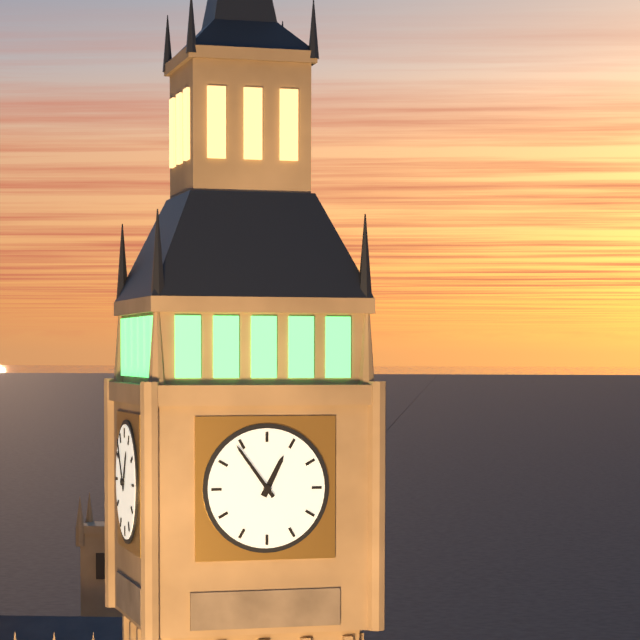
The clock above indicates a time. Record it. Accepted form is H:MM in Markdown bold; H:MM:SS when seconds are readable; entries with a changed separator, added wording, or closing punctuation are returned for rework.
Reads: **12:54**
